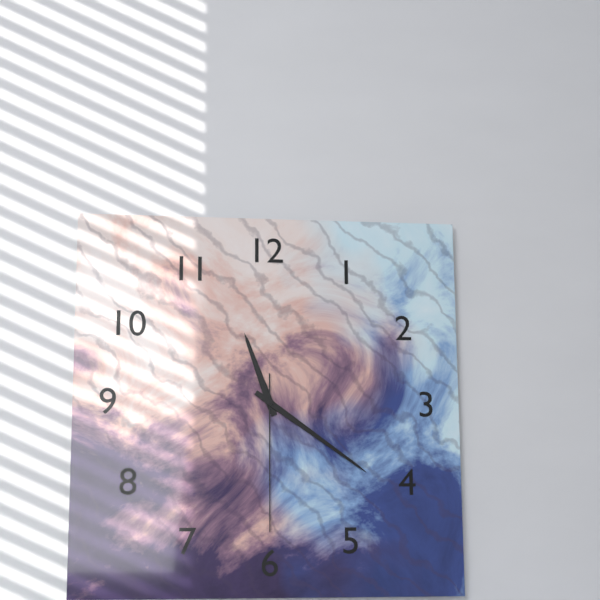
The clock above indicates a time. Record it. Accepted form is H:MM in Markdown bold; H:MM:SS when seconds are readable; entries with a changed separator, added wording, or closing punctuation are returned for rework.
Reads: **11:21:30**
